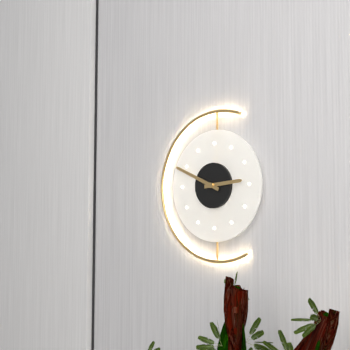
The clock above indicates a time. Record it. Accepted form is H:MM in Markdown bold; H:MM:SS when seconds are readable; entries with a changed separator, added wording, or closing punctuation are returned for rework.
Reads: **2:49**
